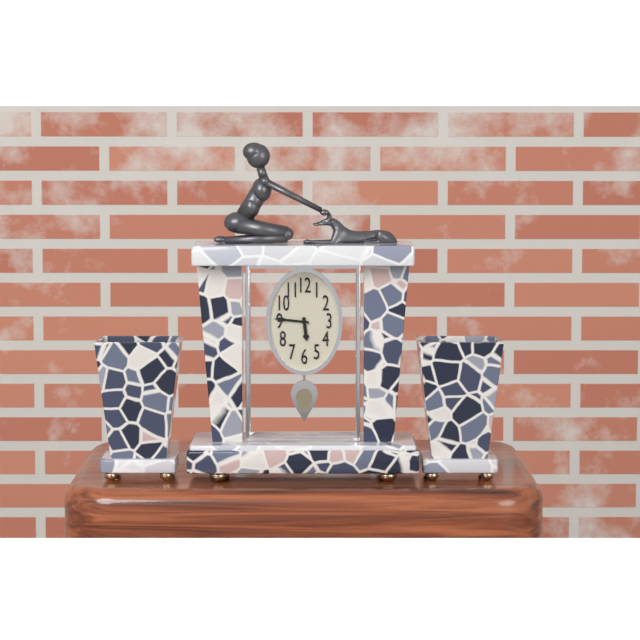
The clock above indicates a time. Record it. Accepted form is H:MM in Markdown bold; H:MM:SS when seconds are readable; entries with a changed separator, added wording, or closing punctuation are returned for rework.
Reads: **5:46**
